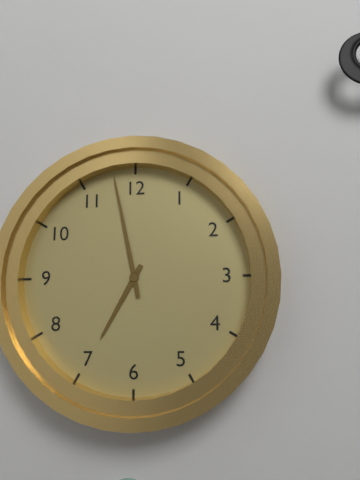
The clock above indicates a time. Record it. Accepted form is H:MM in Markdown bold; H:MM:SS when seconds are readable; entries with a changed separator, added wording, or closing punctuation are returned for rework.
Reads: **6:58**
